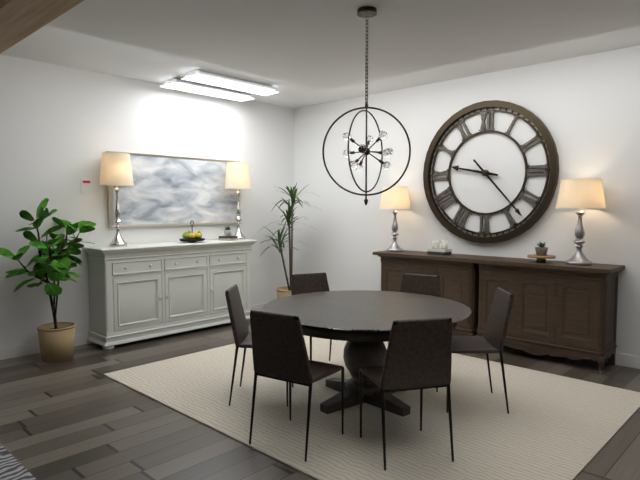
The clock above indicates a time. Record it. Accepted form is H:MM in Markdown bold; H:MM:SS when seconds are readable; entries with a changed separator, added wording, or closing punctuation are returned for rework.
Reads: **9:23**
